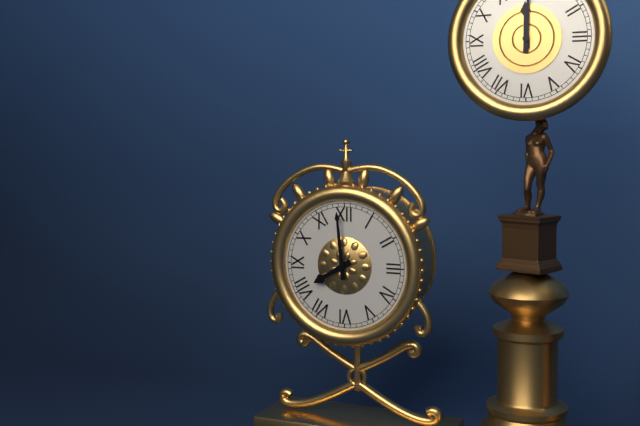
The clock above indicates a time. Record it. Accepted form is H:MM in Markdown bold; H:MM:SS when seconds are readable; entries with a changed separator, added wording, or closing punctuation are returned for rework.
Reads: **7:59**
